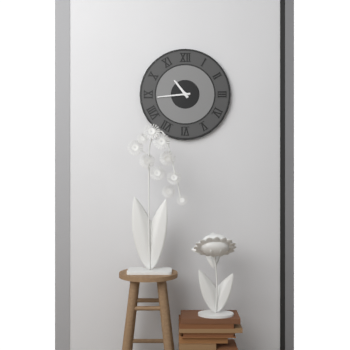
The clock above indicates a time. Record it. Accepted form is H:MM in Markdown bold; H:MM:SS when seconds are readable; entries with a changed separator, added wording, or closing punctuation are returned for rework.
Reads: **10:44**
